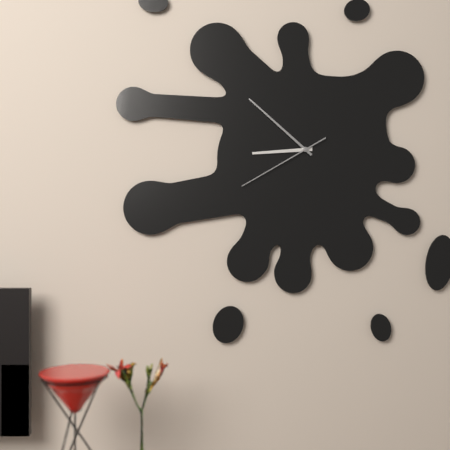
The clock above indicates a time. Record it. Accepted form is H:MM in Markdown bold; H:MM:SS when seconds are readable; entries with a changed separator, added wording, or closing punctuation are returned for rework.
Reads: **8:52:40**
